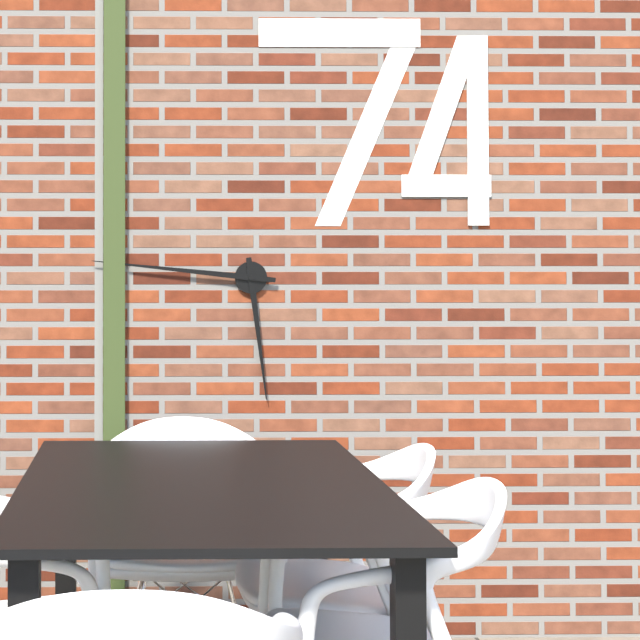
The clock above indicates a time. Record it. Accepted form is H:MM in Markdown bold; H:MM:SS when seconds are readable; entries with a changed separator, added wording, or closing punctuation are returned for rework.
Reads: **5:46**
